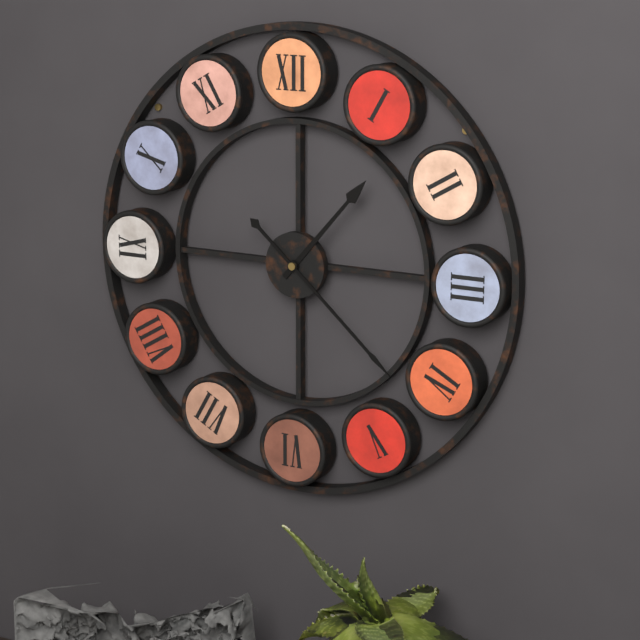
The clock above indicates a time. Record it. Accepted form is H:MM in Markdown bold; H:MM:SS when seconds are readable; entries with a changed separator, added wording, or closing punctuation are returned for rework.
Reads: **1:22**
